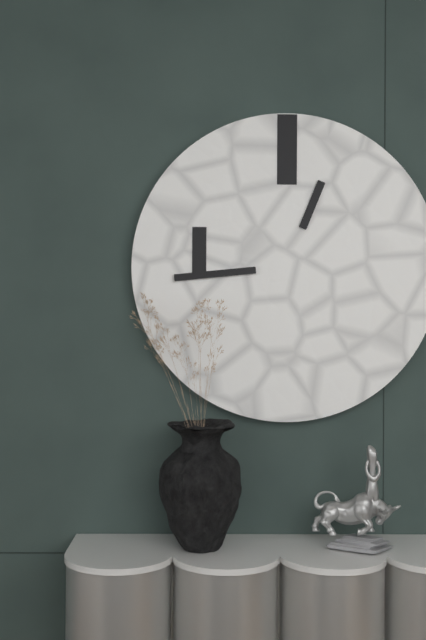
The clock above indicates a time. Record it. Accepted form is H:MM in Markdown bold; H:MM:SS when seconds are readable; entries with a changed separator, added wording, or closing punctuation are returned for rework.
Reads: **12:44**
